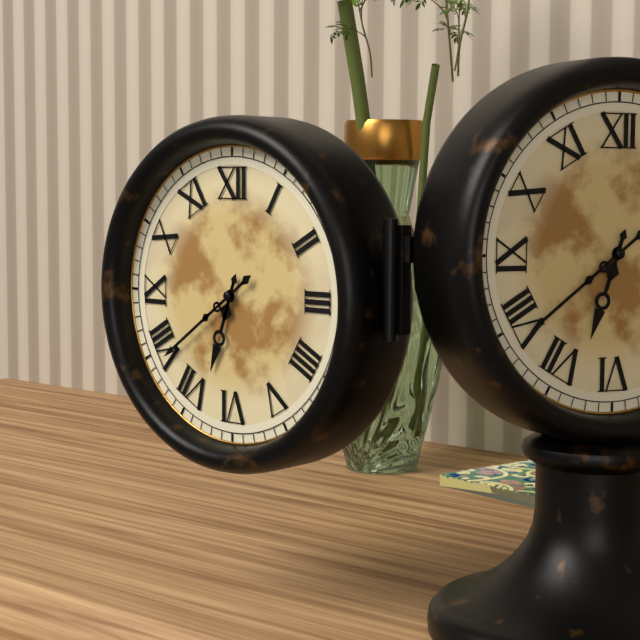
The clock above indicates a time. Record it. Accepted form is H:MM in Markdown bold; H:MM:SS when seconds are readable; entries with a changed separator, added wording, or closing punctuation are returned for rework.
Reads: **6:39**
